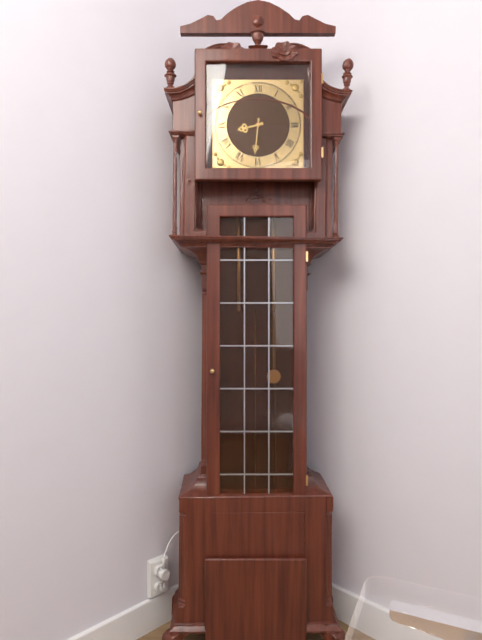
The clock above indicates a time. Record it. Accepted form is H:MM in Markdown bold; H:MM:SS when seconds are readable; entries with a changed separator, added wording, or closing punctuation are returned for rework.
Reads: **8:31**
